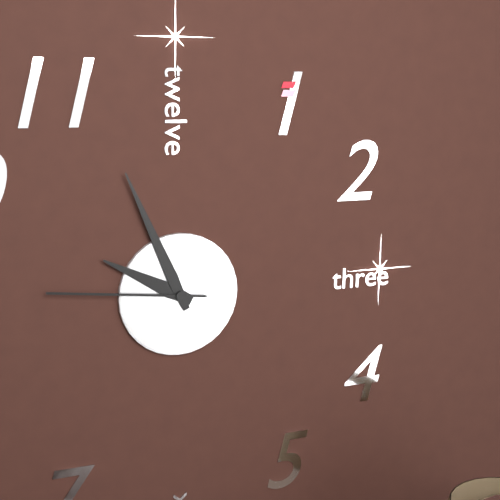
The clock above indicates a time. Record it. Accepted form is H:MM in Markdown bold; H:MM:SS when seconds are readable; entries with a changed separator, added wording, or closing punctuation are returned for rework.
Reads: **9:56:46**
